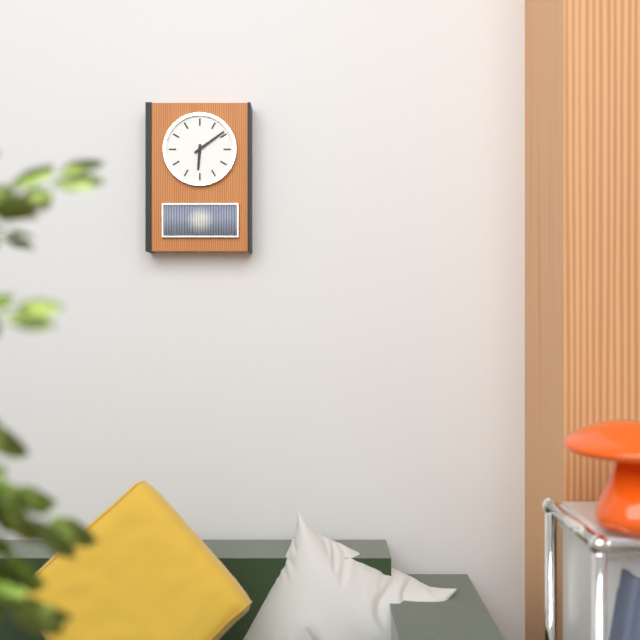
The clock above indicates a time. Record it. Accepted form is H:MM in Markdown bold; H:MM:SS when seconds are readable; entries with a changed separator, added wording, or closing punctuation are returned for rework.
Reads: **6:09**
